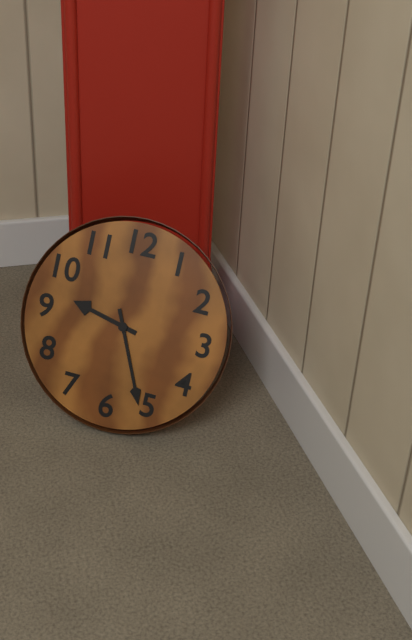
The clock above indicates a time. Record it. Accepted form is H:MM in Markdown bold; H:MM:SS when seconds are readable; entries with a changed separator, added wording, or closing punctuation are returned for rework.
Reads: **9:26**
